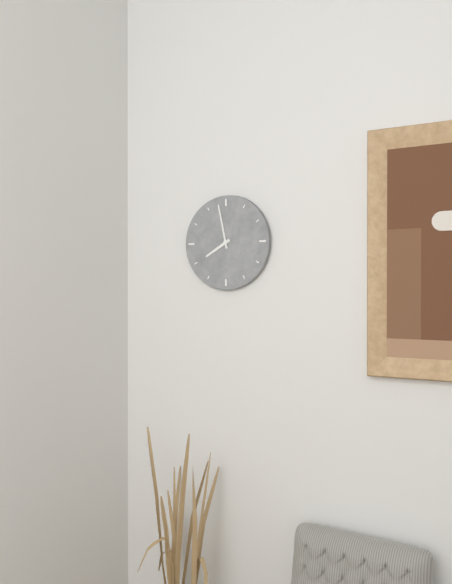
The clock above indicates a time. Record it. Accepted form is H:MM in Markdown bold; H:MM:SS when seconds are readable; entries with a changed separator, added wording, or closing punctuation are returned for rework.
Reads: **7:58**
